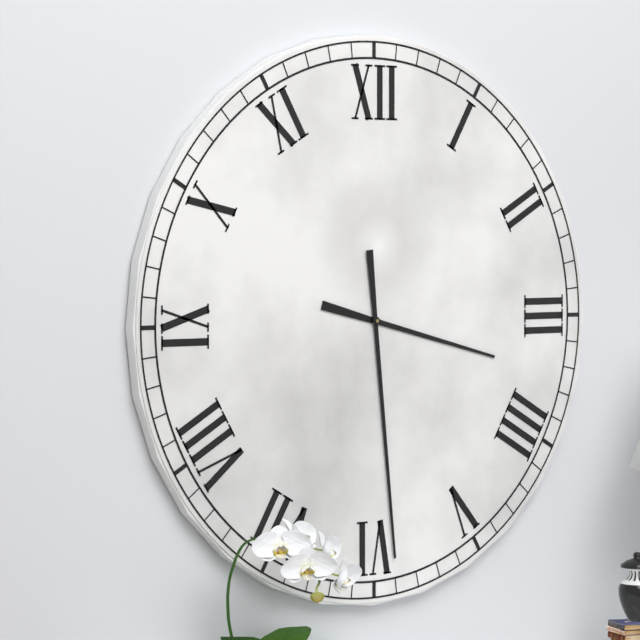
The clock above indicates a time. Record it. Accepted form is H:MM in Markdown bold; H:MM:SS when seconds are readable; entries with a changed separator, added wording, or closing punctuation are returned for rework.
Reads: **3:29**
